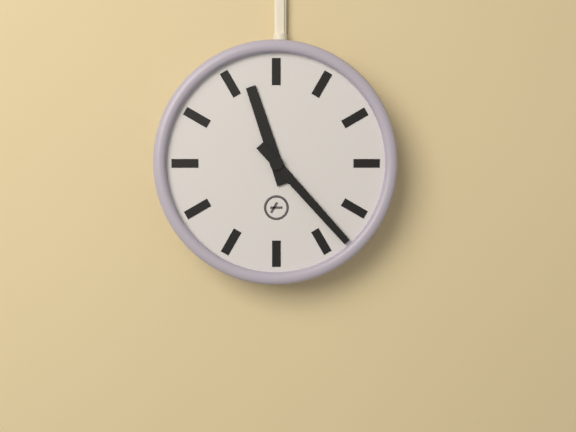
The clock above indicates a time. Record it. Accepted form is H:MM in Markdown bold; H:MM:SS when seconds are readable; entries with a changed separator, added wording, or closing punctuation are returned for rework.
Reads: **11:23**
